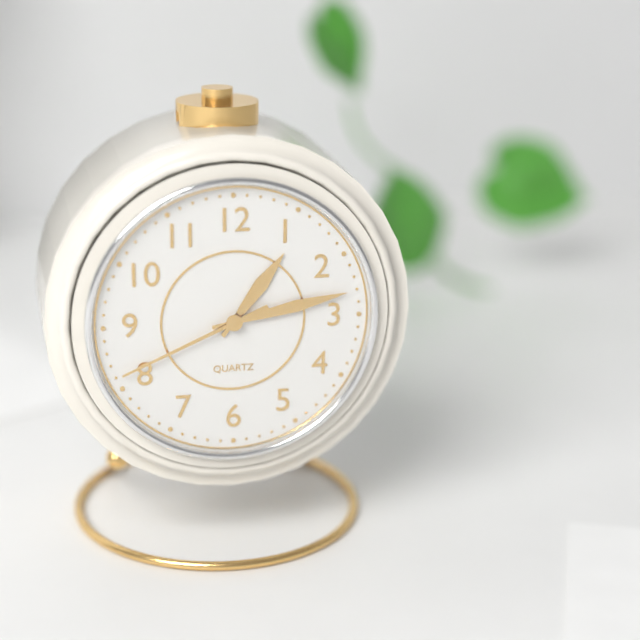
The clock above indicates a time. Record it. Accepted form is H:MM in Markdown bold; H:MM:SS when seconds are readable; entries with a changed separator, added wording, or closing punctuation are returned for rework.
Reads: **1:13:41**
